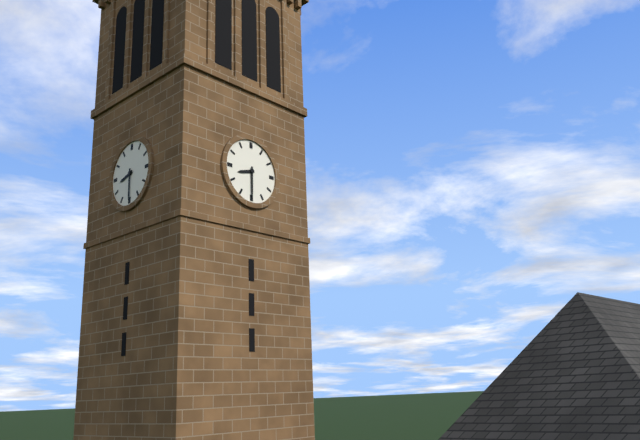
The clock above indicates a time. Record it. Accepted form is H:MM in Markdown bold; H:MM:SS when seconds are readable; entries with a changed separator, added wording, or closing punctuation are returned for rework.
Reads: **8:30**
